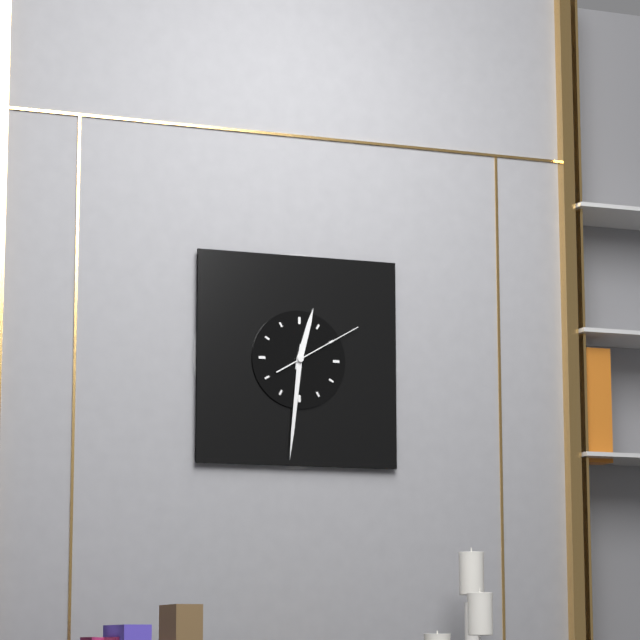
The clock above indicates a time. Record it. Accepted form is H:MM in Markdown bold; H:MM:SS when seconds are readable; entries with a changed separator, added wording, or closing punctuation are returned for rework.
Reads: **12:31:10**
